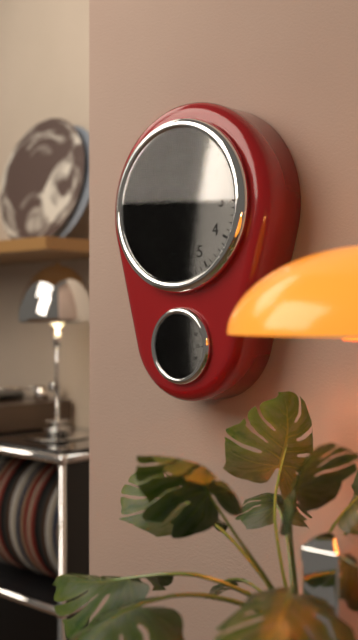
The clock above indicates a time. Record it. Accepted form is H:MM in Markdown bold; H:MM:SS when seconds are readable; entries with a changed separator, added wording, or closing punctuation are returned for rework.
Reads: **6:52:34**
